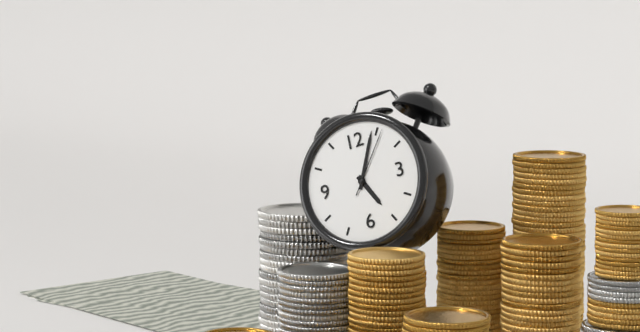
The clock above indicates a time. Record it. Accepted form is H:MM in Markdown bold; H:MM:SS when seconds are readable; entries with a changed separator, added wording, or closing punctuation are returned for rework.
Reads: **5:04:06**
